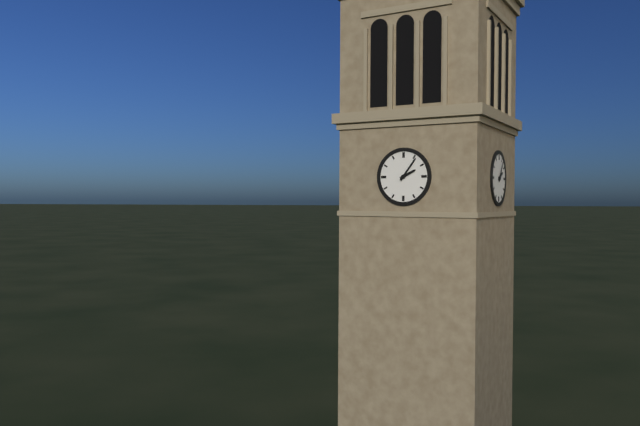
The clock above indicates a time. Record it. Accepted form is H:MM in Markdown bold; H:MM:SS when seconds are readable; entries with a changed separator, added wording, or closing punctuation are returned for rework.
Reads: **2:06**
